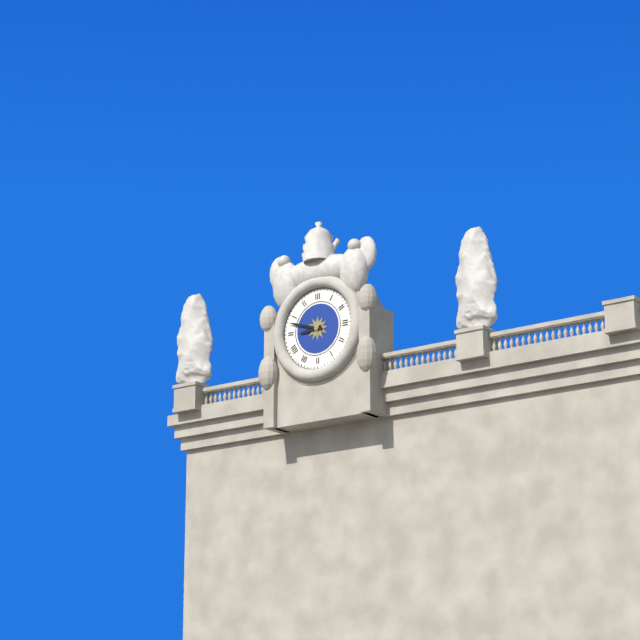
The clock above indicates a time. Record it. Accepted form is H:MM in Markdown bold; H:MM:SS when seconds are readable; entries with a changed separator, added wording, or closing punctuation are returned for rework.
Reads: **8:48**
